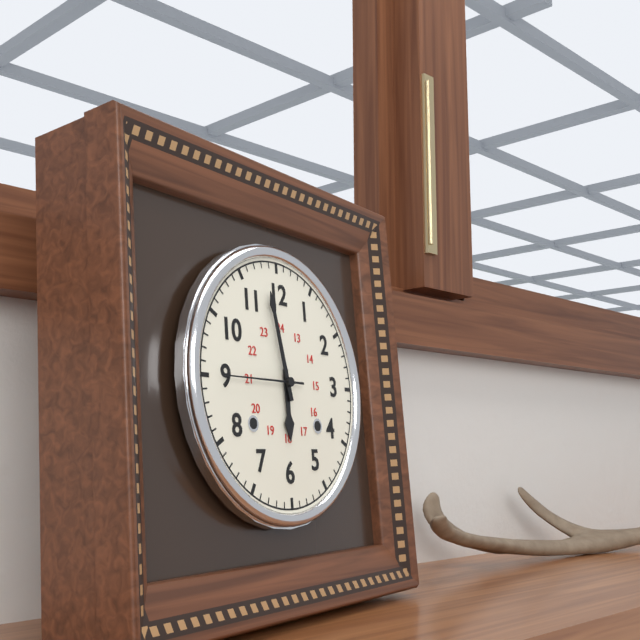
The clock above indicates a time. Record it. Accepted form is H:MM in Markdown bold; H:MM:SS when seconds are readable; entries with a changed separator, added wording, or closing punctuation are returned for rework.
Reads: **5:58:45**
